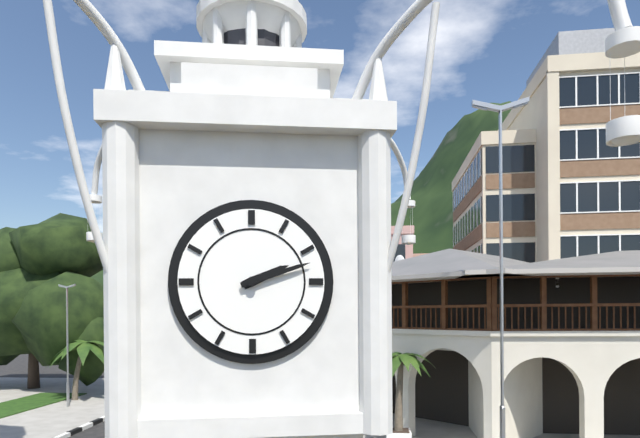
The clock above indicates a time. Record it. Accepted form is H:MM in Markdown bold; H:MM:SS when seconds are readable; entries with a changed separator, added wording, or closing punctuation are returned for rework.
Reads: **2:12**
